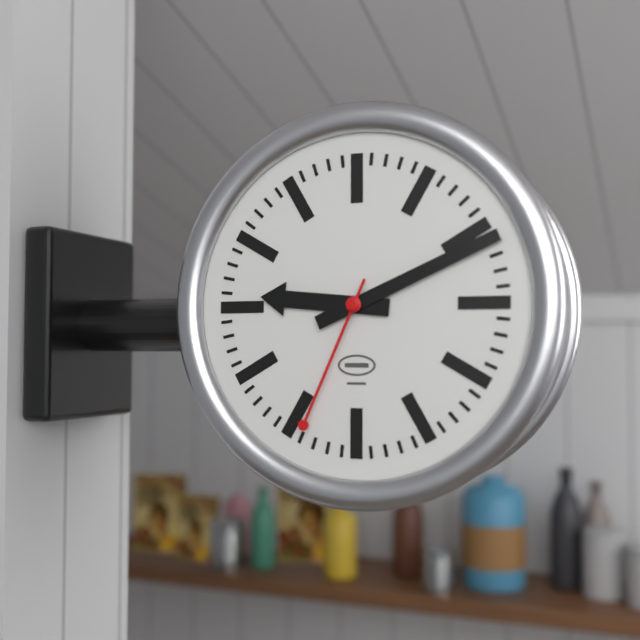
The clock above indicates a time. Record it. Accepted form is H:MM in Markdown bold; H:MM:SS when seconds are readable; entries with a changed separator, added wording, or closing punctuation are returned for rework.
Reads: **9:11:34**
